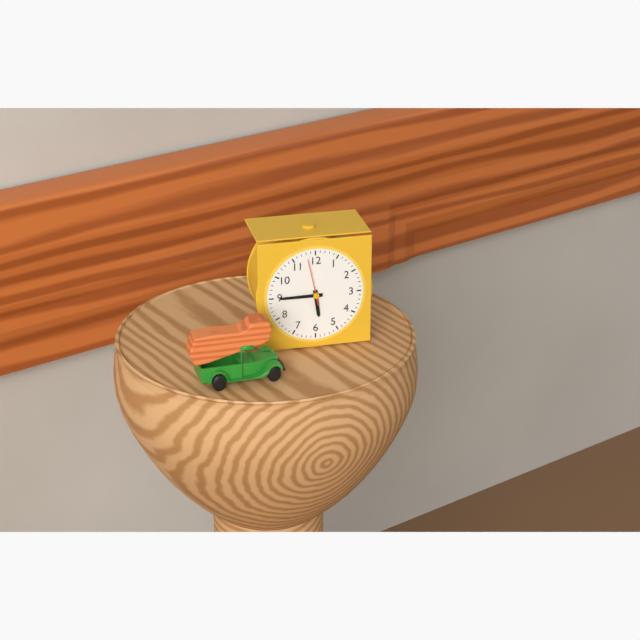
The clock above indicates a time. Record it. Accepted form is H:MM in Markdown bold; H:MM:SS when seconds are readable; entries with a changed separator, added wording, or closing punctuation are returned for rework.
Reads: **5:45**
